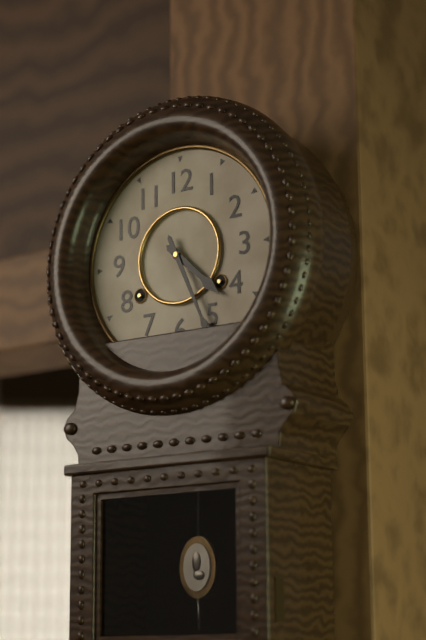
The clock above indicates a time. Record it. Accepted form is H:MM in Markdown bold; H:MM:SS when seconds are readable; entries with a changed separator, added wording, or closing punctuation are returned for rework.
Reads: **4:26**
